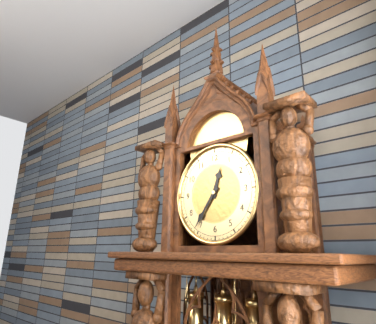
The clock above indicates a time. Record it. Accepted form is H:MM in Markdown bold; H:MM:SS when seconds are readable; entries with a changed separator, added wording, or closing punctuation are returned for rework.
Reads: **12:36**
